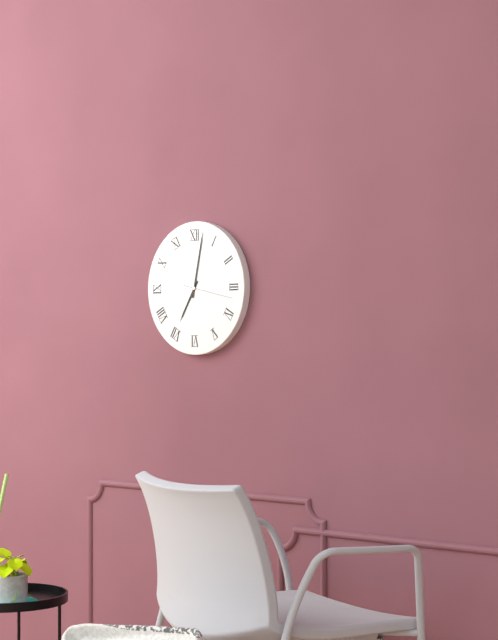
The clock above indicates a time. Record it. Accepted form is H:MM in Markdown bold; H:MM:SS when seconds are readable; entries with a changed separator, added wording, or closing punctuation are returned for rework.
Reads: **7:02**
